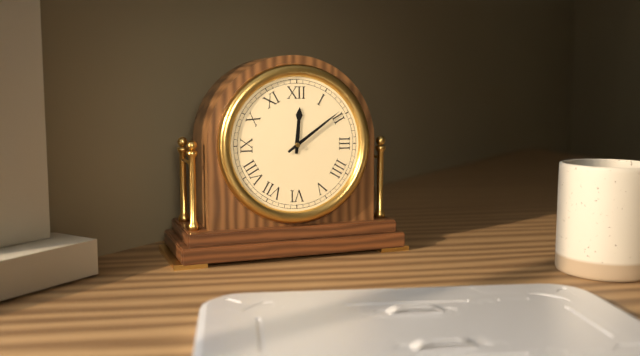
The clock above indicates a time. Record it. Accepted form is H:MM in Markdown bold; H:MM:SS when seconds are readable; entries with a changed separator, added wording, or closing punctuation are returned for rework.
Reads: **12:09**
